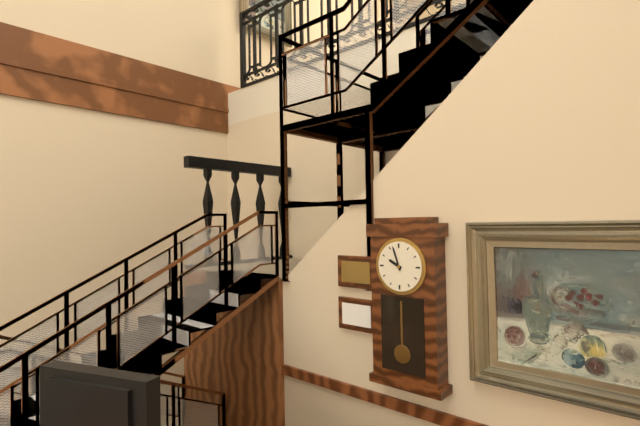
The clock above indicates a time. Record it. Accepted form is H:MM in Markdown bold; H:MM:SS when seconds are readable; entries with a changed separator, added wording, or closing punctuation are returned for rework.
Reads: **9:57**
